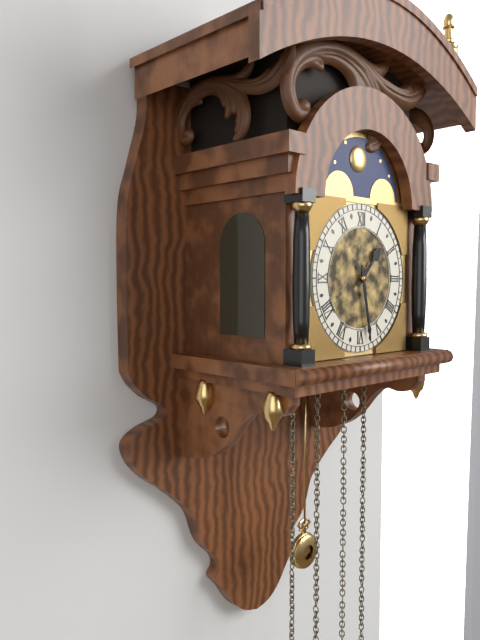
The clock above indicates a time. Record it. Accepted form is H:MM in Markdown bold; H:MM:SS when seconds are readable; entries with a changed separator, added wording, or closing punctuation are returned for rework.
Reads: **1:28**
